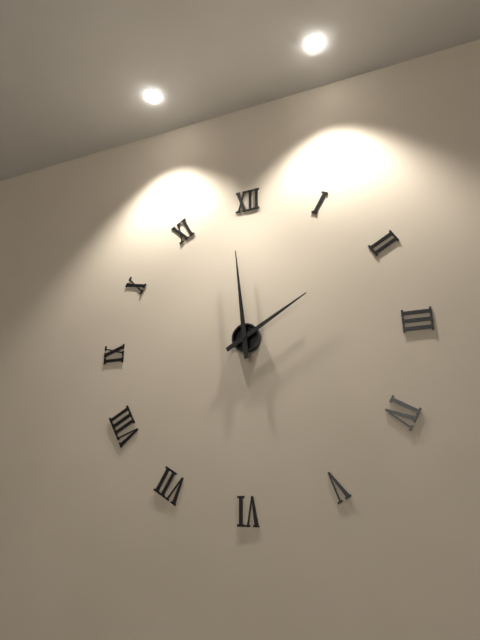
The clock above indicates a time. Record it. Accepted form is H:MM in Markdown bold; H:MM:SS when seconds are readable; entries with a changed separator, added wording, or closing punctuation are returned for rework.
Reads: **1:59**
